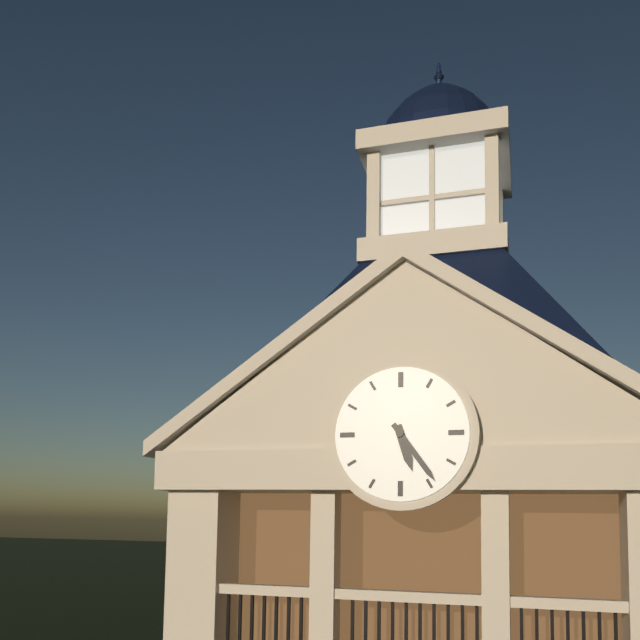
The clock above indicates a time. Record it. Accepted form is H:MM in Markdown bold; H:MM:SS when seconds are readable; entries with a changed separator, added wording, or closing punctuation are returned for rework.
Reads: **5:24**
